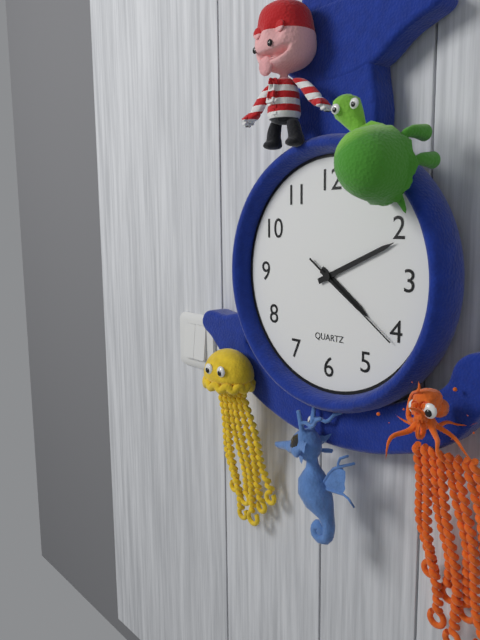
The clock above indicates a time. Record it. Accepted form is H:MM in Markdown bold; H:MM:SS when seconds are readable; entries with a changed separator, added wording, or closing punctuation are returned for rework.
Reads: **4:11:21**
